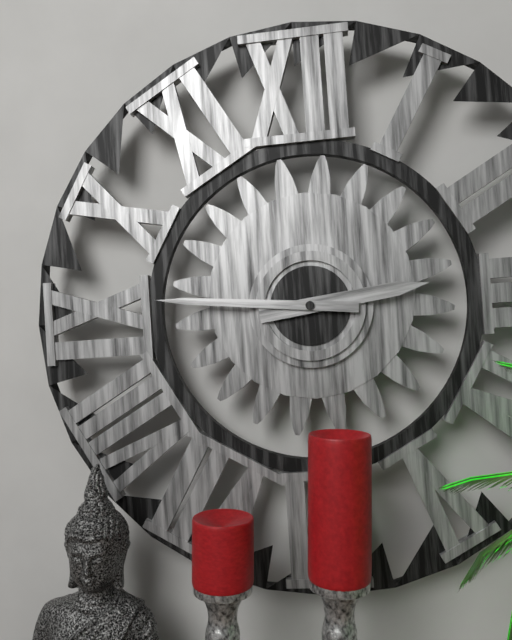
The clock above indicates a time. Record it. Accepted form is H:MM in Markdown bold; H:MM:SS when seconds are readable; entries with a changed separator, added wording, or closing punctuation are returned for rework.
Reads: **2:46**
